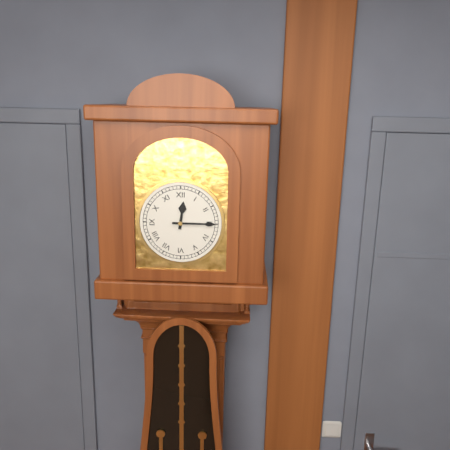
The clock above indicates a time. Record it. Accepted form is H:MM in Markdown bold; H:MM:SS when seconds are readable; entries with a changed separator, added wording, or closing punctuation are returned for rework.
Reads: **12:15**
